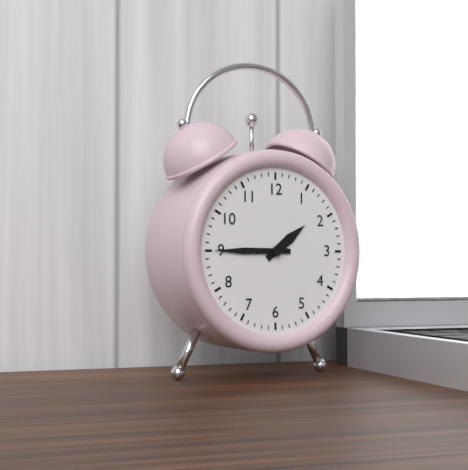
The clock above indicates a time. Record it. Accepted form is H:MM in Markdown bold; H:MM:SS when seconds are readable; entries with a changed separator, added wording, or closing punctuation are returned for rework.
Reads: **1:45**
